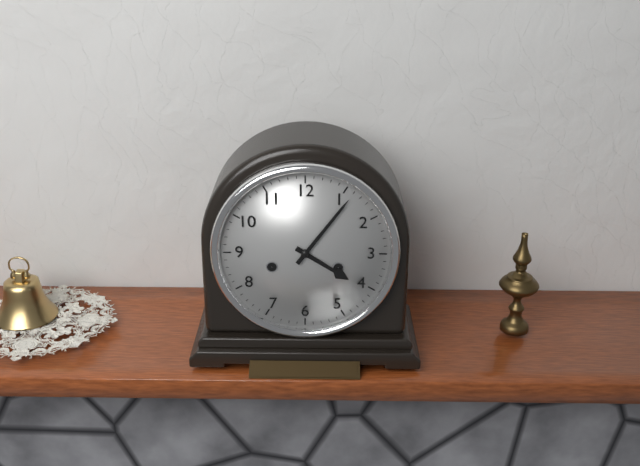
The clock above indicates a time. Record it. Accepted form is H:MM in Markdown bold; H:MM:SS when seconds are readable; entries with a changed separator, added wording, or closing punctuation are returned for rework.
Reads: **4:06**
